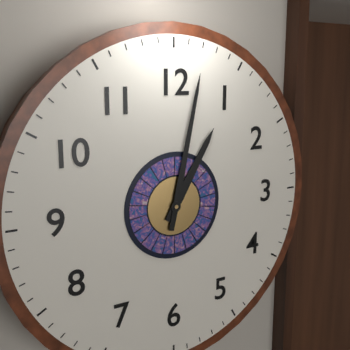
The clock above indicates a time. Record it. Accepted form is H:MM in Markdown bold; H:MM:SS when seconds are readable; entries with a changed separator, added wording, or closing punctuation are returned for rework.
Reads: **1:02**
